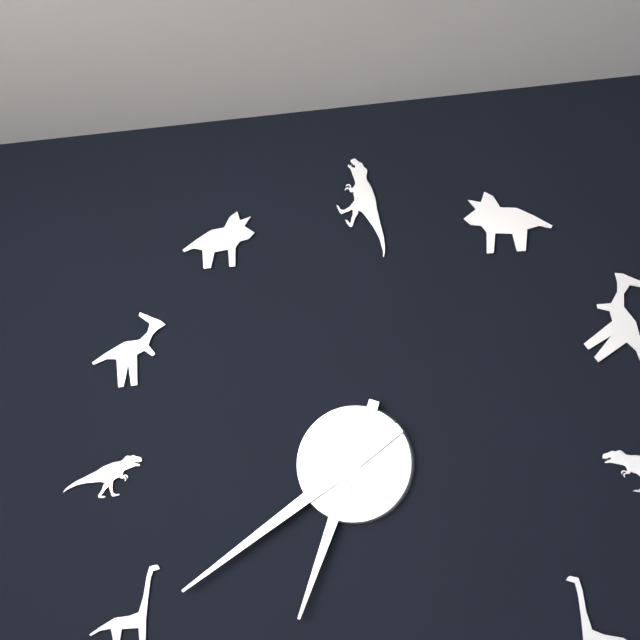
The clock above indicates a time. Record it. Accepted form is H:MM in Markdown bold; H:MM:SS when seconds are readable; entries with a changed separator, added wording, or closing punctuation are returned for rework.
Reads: **6:39**
